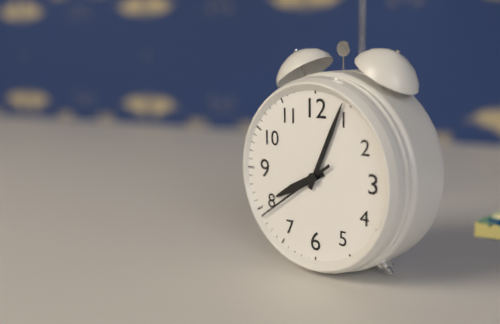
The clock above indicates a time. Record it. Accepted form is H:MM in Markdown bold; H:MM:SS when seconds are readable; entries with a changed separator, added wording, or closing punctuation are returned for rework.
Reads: **8:04:39**
